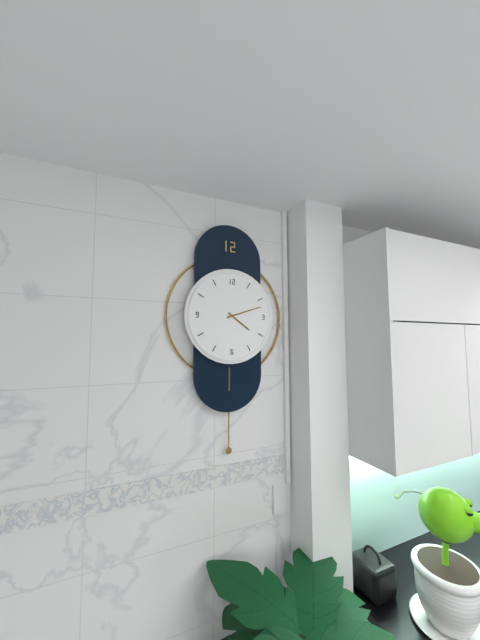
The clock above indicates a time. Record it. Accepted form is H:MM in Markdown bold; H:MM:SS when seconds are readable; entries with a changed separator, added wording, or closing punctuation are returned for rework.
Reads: **4:12**
